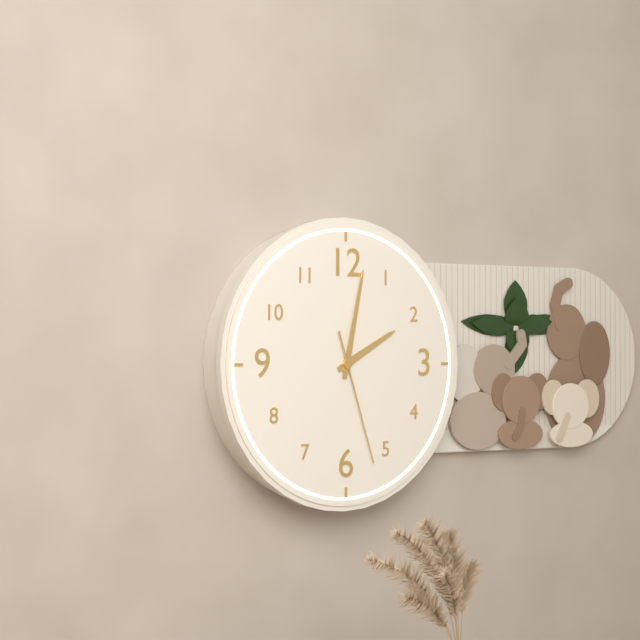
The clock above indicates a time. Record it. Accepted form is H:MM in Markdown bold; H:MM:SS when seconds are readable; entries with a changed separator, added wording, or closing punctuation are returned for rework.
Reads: **2:02:27**
